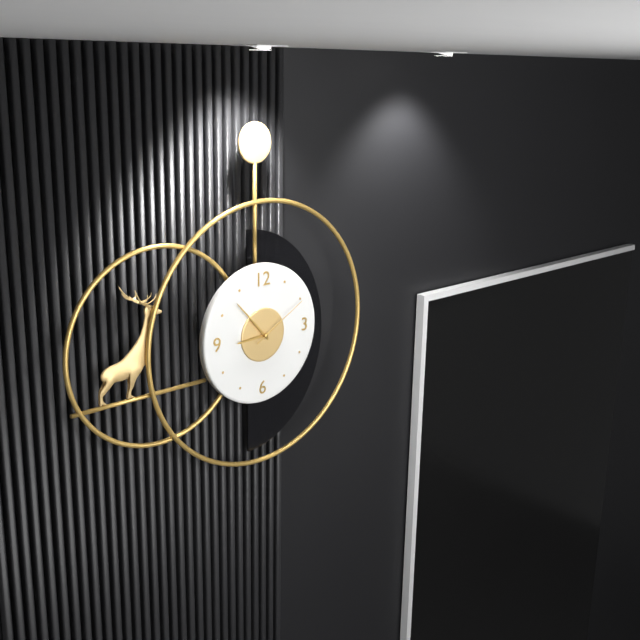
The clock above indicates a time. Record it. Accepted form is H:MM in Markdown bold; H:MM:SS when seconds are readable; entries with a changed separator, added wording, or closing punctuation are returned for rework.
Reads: **8:53:10**
